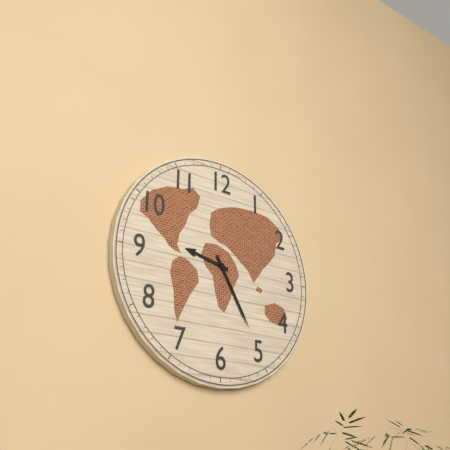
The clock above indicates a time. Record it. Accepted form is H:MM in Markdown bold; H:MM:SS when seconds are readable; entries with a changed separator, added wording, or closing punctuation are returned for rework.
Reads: **9:25**
